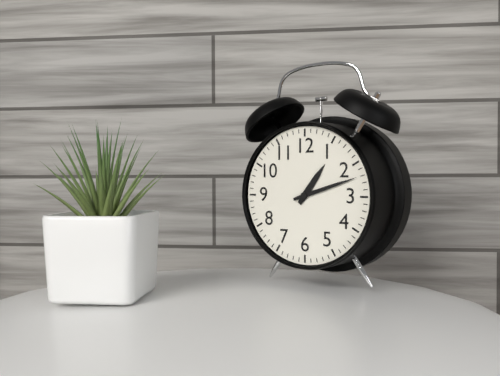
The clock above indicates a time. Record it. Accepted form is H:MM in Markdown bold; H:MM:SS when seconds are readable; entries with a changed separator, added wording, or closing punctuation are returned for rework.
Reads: **1:12**
